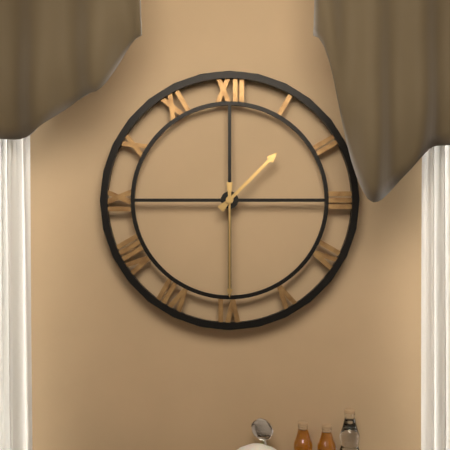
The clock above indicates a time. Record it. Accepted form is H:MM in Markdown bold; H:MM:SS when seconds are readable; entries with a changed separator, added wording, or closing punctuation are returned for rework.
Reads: **1:30**
